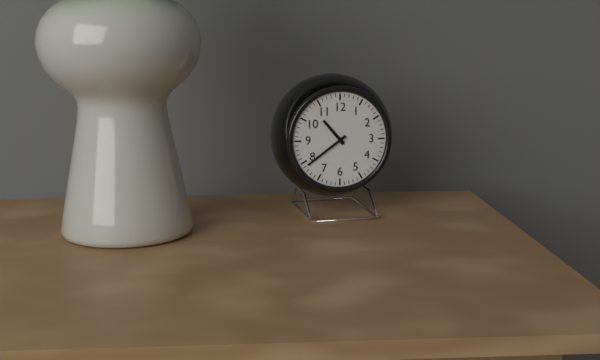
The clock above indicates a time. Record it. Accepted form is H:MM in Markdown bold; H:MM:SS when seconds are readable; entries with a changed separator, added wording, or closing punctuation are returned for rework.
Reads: **10:39**
